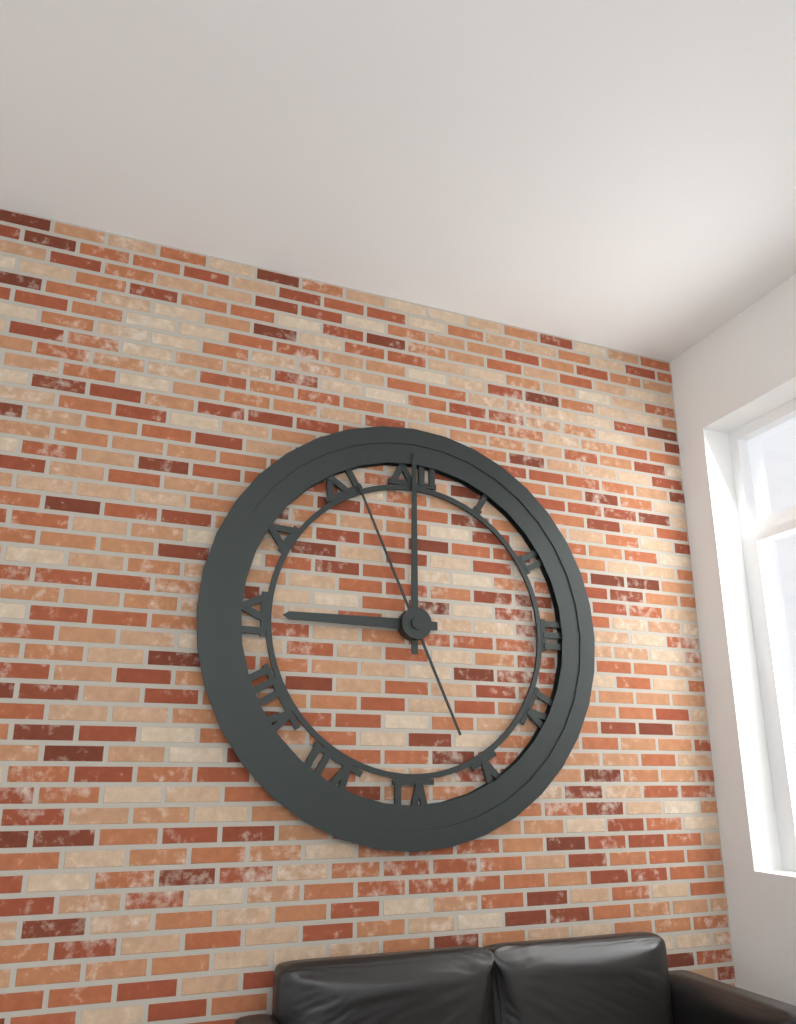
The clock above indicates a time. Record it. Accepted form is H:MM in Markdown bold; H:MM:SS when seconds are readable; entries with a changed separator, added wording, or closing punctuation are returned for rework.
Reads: **9:00:56**
